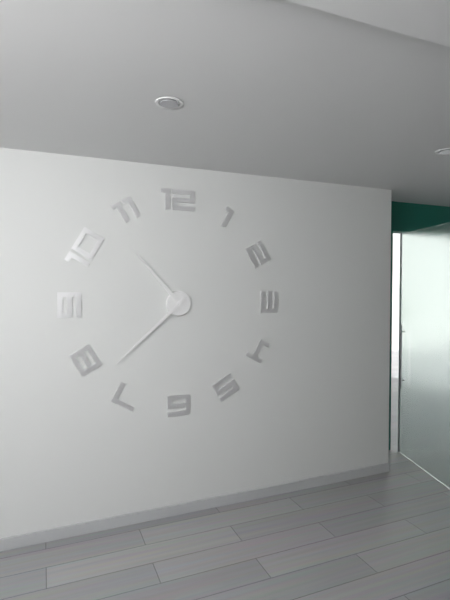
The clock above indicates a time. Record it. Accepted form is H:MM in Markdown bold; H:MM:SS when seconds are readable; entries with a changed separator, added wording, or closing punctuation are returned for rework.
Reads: **10:38**
